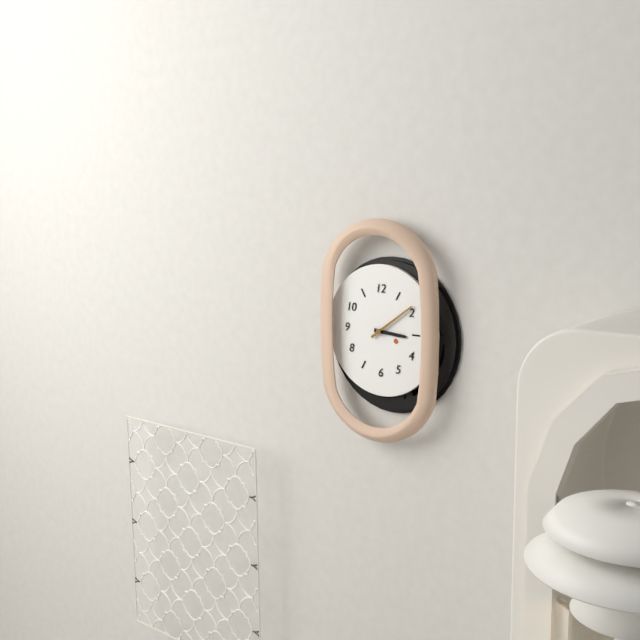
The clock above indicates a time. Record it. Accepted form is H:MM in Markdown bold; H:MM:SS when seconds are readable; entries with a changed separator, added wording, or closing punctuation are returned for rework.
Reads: **3:09**
